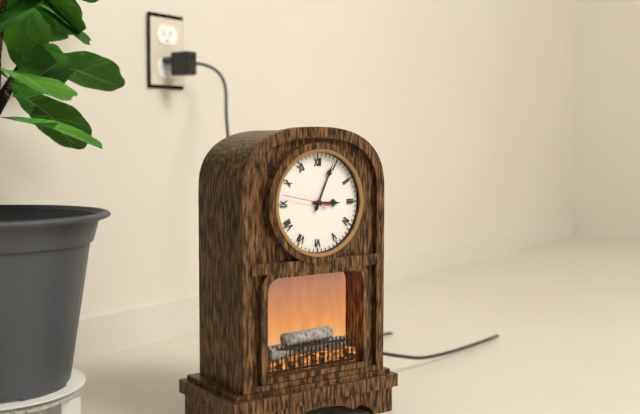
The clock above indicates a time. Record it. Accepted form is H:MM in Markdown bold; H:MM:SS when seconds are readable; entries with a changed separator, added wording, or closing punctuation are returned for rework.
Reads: **3:04**
